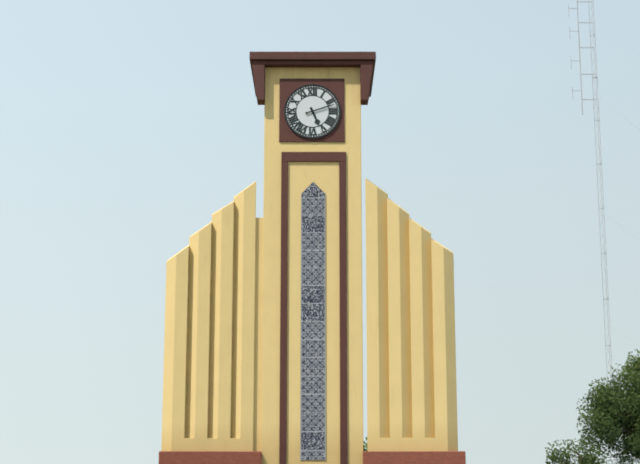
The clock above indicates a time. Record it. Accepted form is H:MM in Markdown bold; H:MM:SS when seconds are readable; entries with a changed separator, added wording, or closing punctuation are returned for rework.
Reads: **5:12**
